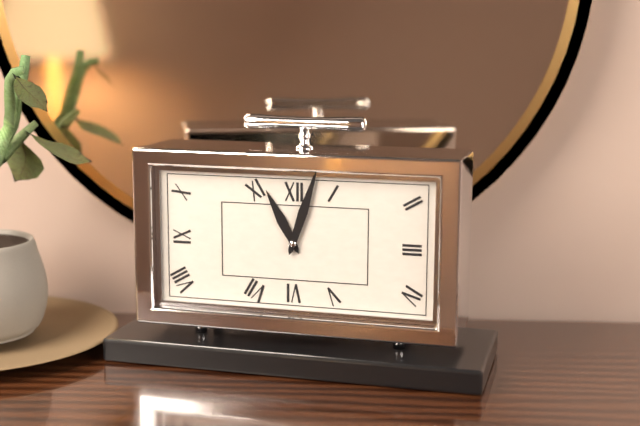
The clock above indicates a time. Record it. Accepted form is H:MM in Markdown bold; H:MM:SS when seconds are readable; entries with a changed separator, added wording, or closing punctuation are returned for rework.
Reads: **11:03**
